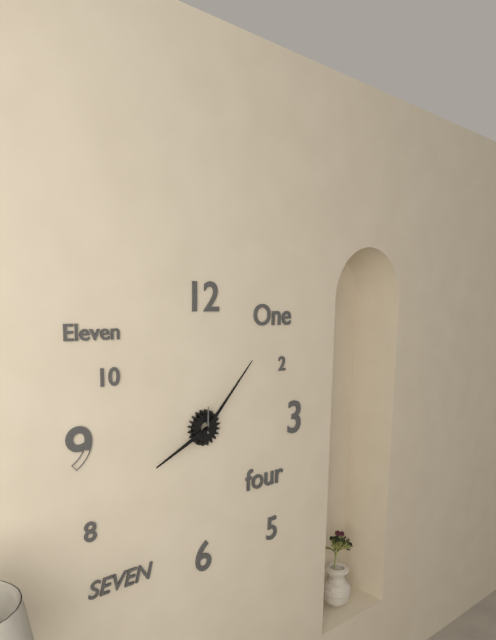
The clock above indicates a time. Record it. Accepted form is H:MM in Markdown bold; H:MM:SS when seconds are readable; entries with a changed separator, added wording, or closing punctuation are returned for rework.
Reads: **8:07**
